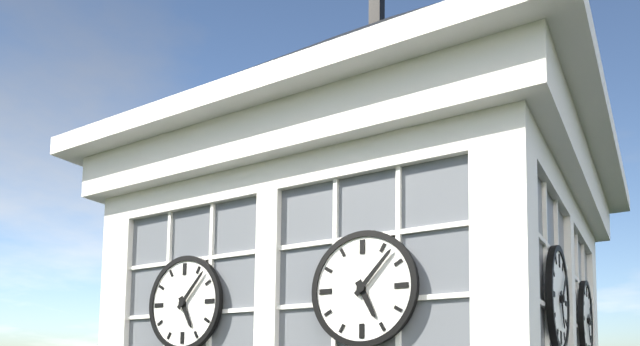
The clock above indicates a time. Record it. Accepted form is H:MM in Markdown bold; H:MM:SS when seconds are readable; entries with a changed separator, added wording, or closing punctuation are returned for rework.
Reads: **5:07**
